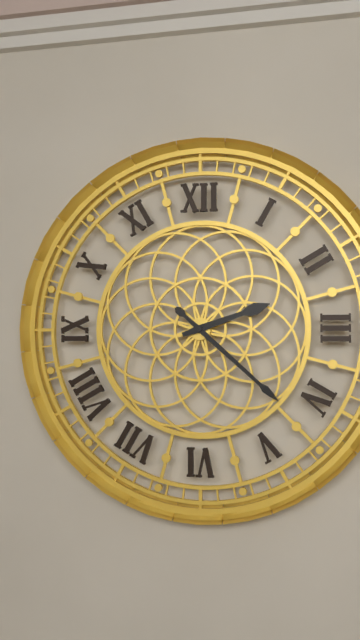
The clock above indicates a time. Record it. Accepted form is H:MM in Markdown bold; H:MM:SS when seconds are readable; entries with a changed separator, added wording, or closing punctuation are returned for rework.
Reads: **2:22**
